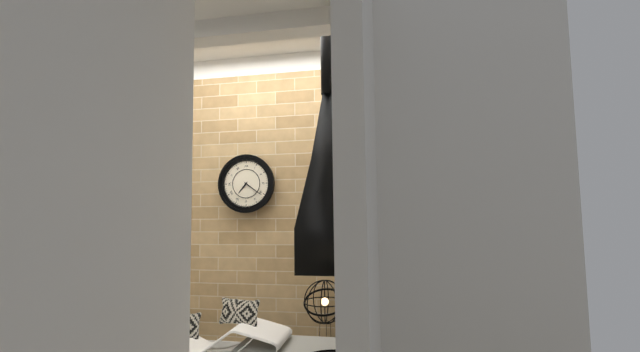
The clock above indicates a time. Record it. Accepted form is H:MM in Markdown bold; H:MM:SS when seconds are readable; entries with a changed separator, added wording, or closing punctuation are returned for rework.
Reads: **7:21**
